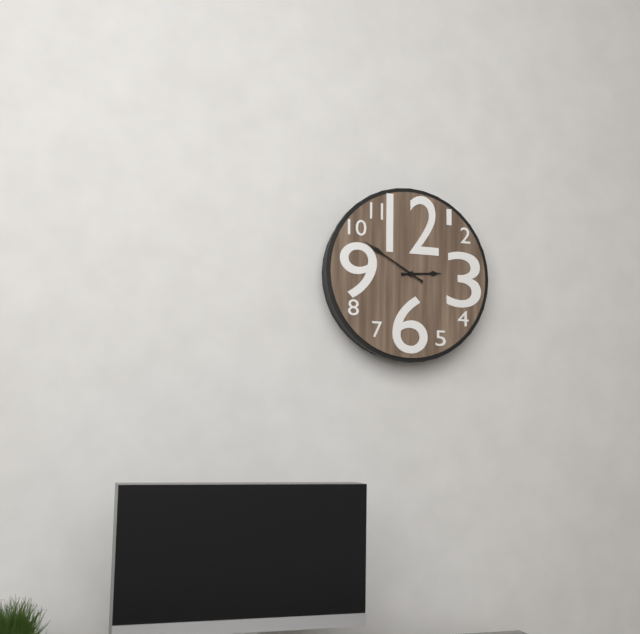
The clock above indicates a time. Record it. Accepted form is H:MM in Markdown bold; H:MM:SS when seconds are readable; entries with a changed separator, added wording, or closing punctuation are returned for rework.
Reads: **2:50**
